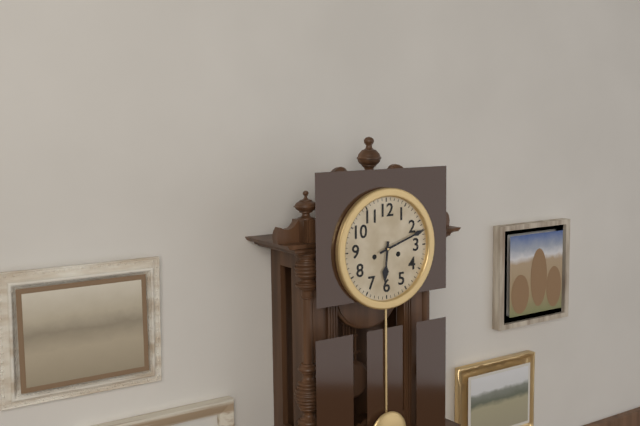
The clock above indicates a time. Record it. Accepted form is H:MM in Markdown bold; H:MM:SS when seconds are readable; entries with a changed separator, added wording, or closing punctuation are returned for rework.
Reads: **6:12**
